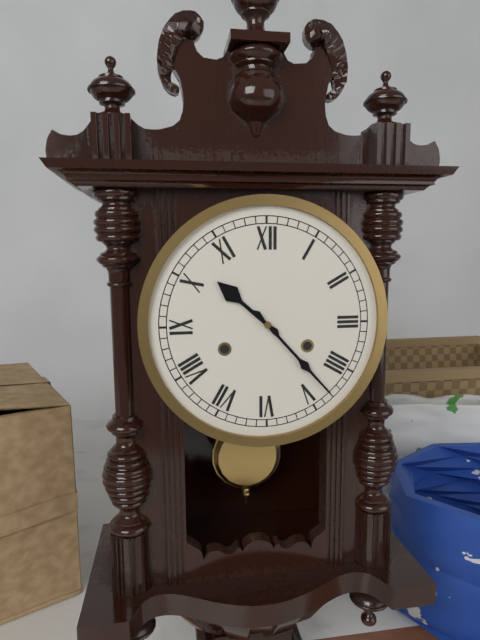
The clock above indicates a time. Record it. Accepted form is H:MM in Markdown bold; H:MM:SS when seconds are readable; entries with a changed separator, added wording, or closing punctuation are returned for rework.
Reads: **10:23**
